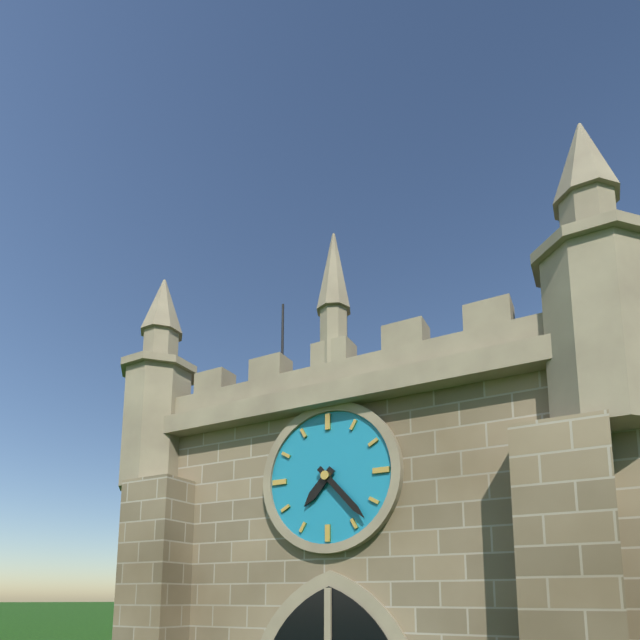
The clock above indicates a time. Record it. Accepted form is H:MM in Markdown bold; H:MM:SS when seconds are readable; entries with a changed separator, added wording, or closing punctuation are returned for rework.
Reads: **7:23**
